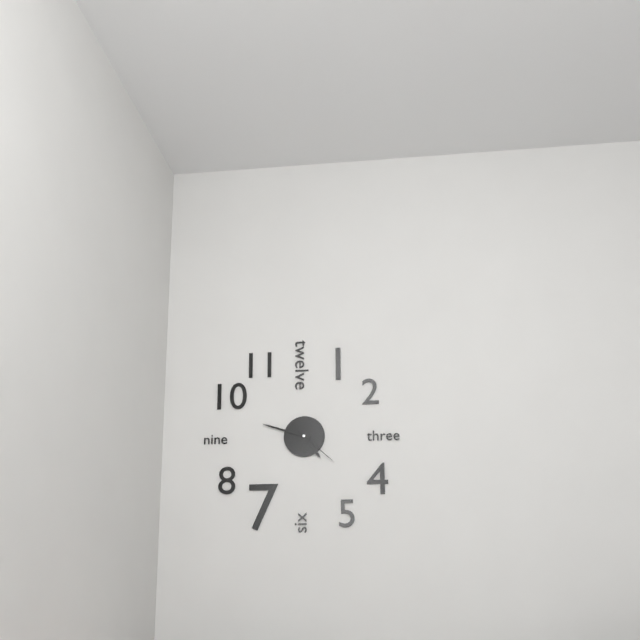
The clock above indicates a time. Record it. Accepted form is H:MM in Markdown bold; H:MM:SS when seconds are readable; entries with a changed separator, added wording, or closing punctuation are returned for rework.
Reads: **4:48:22**
